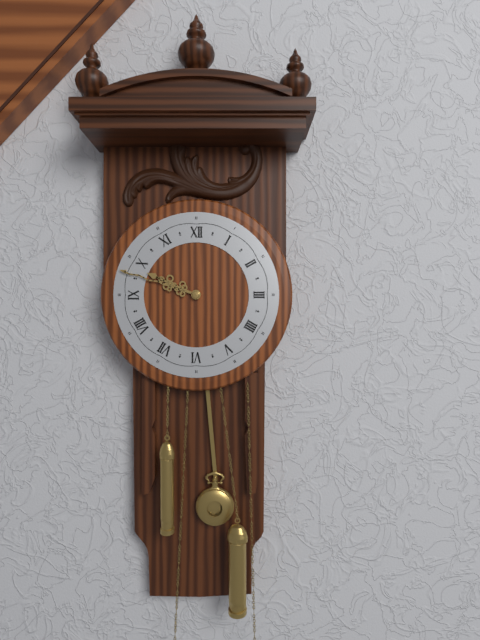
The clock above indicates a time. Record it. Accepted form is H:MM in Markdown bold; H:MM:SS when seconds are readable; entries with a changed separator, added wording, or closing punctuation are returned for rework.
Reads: **9:48**
